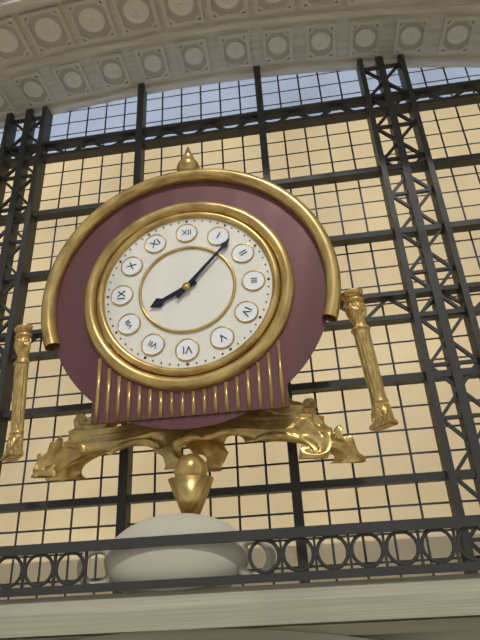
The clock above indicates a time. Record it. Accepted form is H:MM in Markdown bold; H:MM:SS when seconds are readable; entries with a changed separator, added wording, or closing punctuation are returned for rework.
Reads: **8:07**
